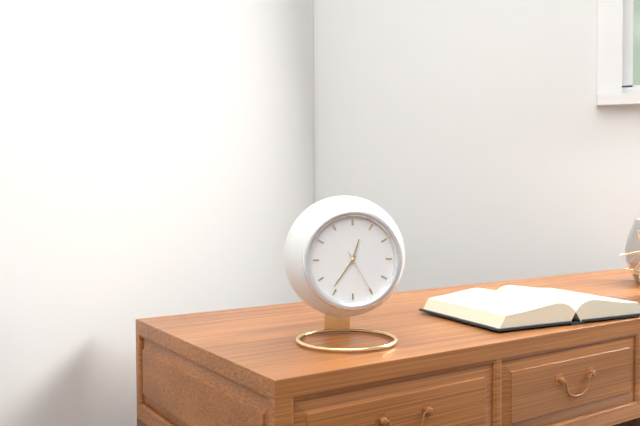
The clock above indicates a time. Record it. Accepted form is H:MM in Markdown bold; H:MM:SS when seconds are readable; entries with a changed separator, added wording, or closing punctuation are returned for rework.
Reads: **12:36:25**
